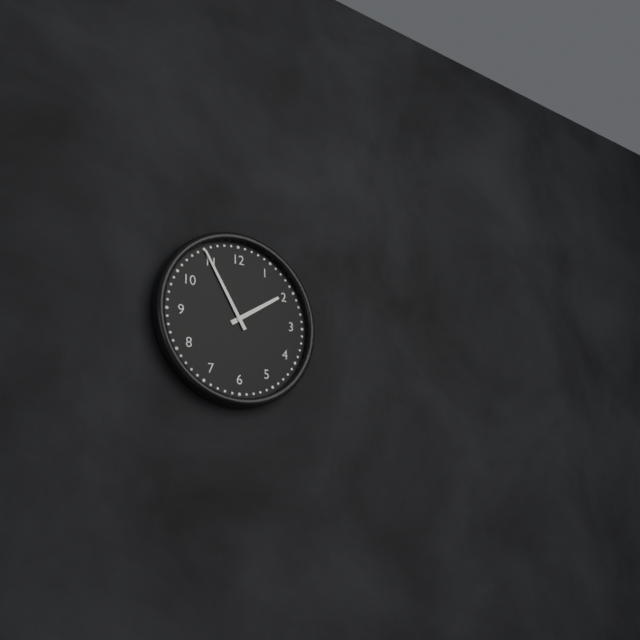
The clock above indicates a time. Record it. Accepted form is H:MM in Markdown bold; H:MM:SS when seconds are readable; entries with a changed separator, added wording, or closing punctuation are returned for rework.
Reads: **1:55**
